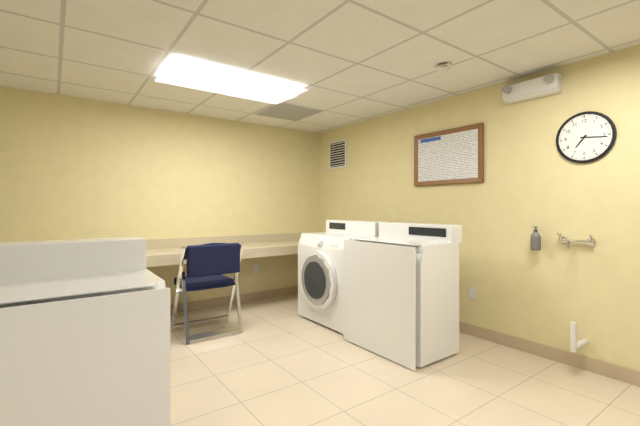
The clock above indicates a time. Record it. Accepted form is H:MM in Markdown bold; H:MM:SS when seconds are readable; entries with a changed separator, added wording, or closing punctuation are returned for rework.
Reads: **7:16**
